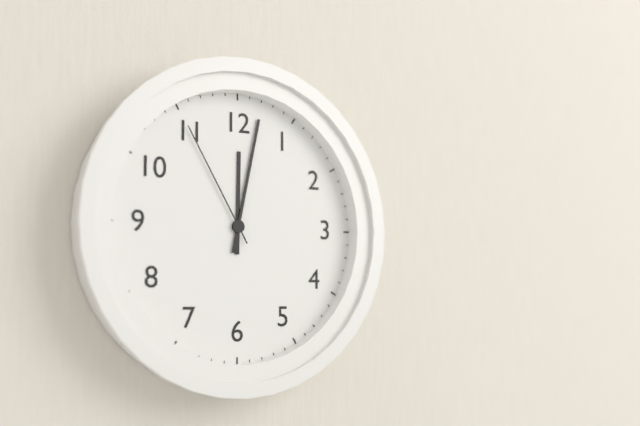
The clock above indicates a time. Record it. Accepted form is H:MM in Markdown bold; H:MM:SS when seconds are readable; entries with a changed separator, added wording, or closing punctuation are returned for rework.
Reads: **12:02:55**
